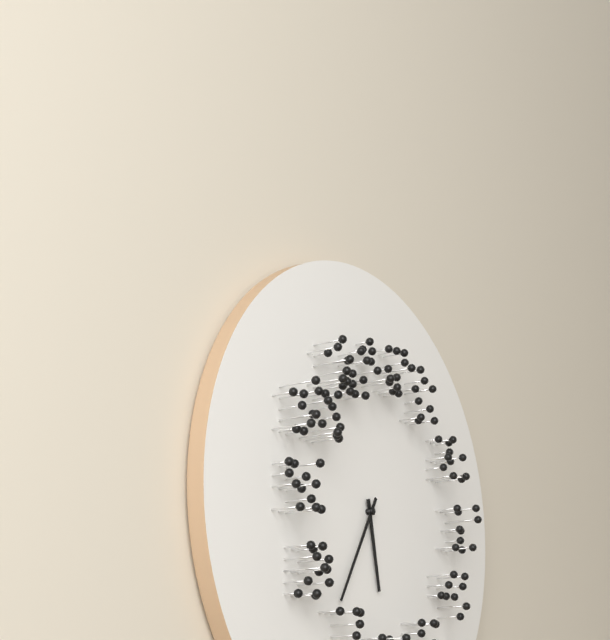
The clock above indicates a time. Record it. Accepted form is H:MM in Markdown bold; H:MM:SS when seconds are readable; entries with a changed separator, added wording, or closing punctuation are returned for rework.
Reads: **5:35**
